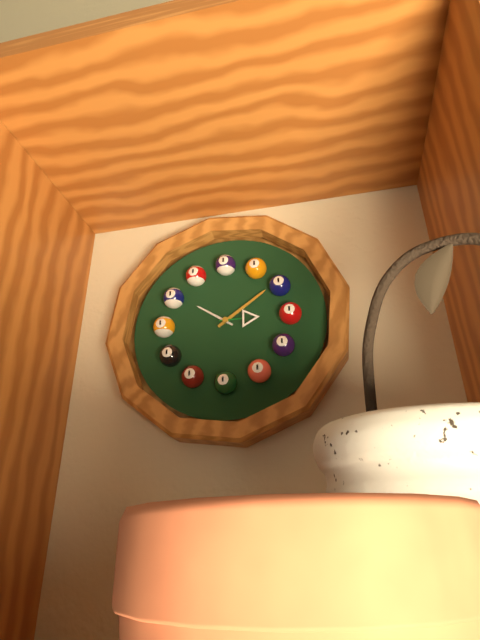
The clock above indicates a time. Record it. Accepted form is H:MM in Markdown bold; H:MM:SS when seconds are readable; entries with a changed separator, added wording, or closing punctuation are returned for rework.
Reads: **10:09**
